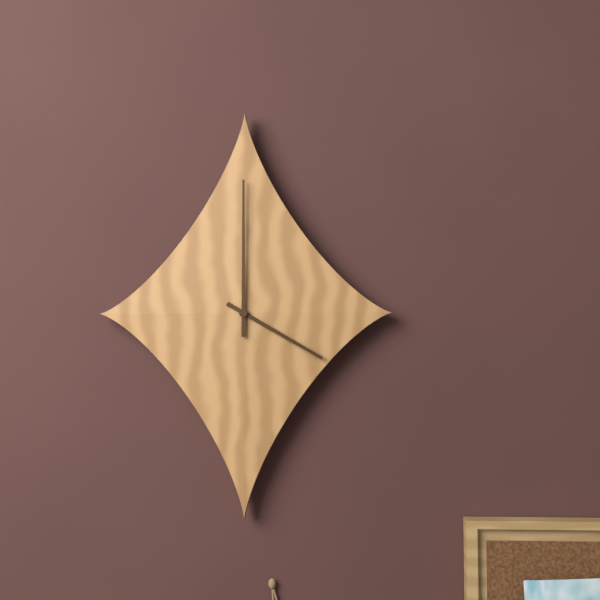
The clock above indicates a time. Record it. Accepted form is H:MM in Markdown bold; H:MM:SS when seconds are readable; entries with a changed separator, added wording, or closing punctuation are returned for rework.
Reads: **4:00**
